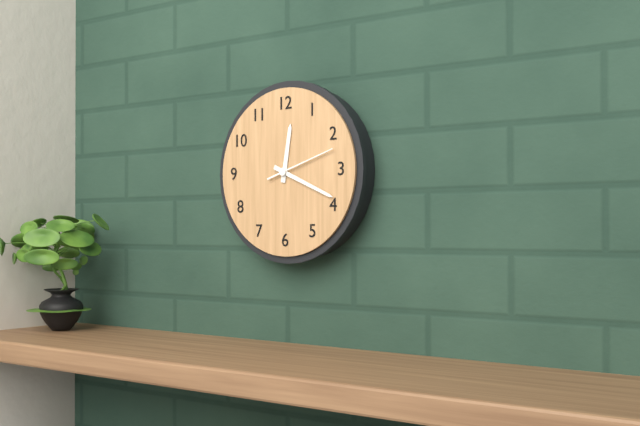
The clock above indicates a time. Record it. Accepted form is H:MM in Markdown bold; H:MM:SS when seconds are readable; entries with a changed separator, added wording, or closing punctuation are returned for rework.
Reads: **12:19:12**
